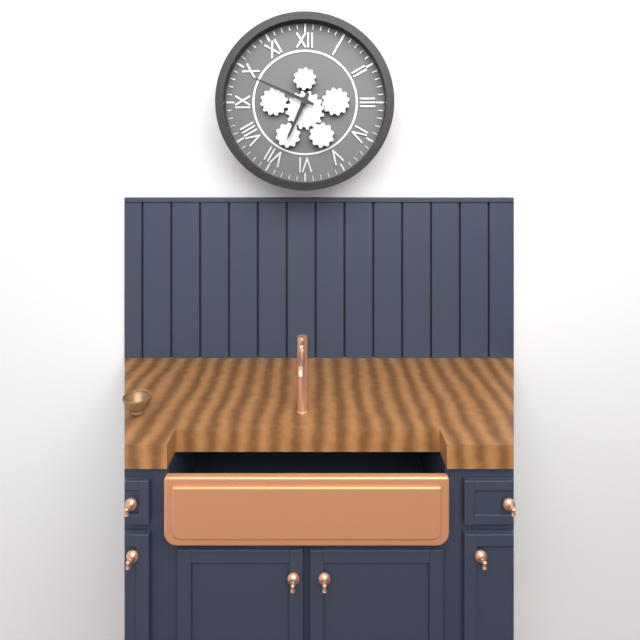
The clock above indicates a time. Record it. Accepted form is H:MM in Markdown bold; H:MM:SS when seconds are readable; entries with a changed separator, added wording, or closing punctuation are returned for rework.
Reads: **6:49**
